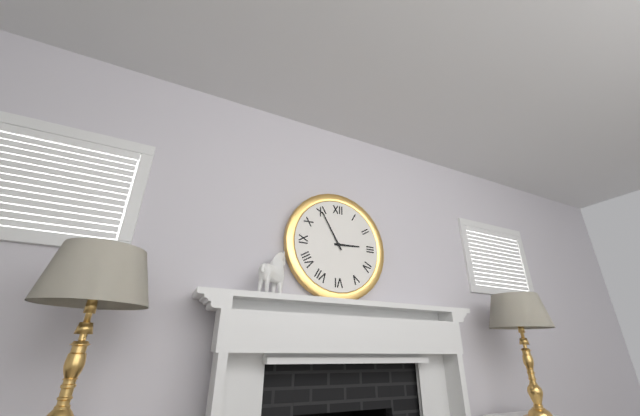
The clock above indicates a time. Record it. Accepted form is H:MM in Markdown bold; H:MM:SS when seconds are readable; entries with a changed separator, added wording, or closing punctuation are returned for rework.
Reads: **2:55**
